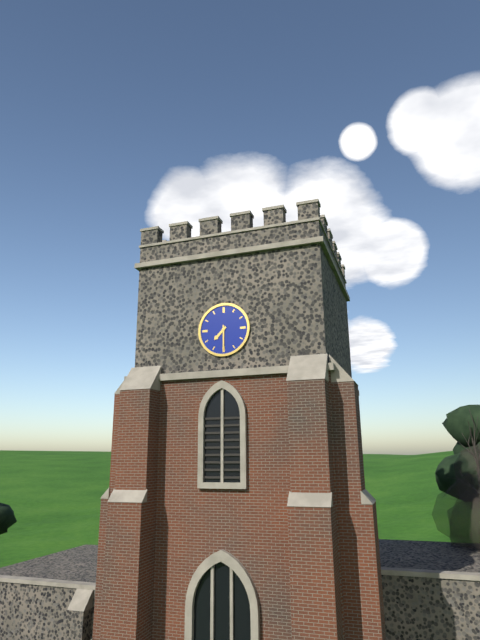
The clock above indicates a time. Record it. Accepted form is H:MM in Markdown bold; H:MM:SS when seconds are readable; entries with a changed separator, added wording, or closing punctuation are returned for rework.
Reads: **7:30**
